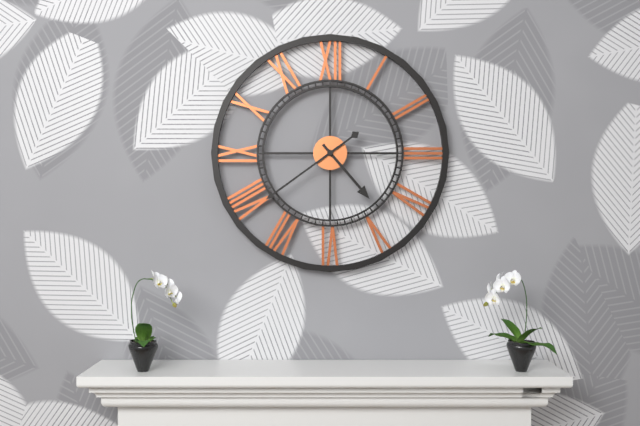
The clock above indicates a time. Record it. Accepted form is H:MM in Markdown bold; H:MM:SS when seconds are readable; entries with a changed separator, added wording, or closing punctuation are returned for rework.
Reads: **4:39**
